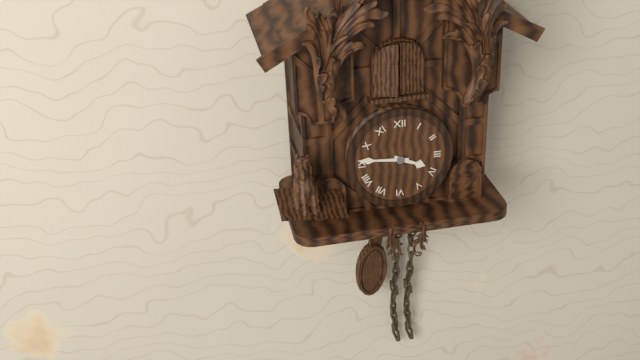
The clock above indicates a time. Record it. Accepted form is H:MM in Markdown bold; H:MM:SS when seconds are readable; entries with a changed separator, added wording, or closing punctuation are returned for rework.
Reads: **3:46**
